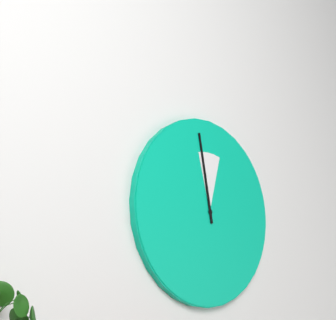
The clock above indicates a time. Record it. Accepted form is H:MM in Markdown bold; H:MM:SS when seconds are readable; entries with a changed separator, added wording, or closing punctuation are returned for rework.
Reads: **11:58**
